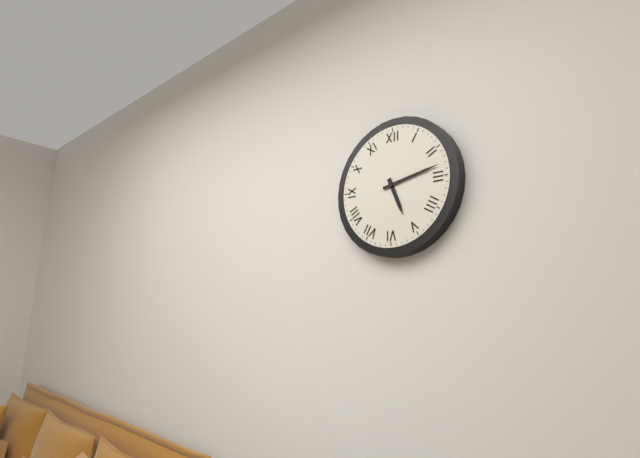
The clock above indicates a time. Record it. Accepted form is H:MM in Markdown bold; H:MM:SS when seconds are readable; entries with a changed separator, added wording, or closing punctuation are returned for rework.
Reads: **5:13**
